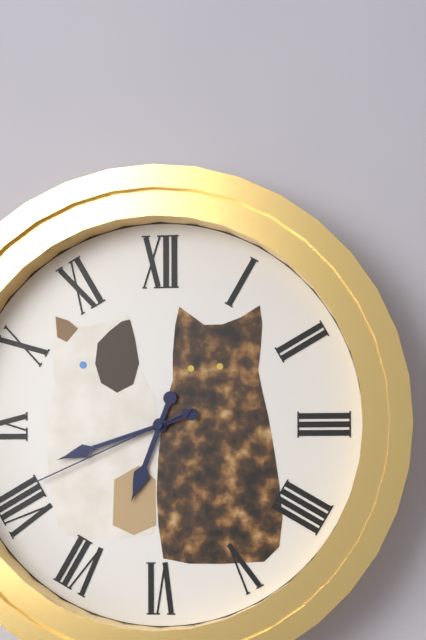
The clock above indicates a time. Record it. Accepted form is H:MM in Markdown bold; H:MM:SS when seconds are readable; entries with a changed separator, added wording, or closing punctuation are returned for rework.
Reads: **6:42:41**
